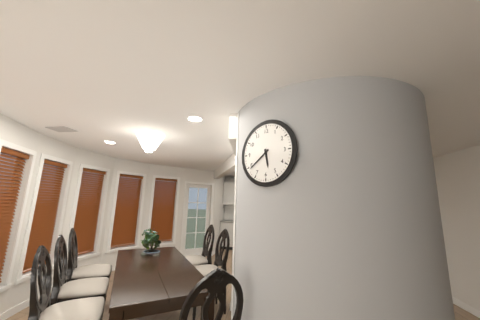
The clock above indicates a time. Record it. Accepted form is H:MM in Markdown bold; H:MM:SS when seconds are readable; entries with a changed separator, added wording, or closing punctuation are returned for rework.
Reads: **5:39**
